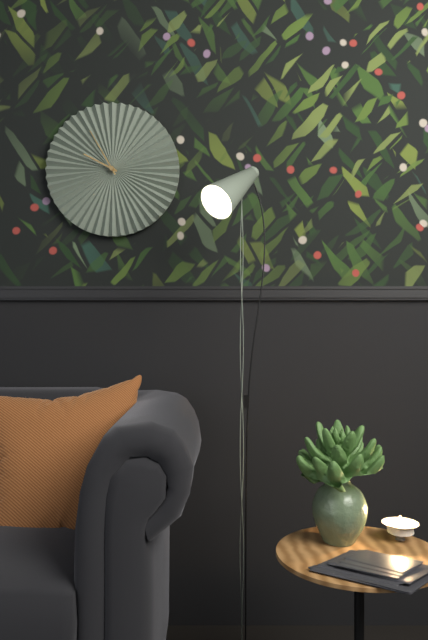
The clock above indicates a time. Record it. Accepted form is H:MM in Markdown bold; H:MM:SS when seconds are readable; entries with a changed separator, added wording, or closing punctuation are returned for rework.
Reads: **9:55**
